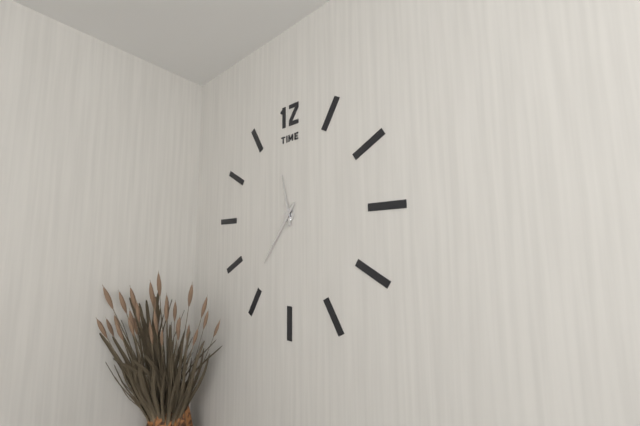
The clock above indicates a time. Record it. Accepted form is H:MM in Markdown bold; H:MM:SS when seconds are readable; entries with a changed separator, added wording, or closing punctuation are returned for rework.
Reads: **11:36**
